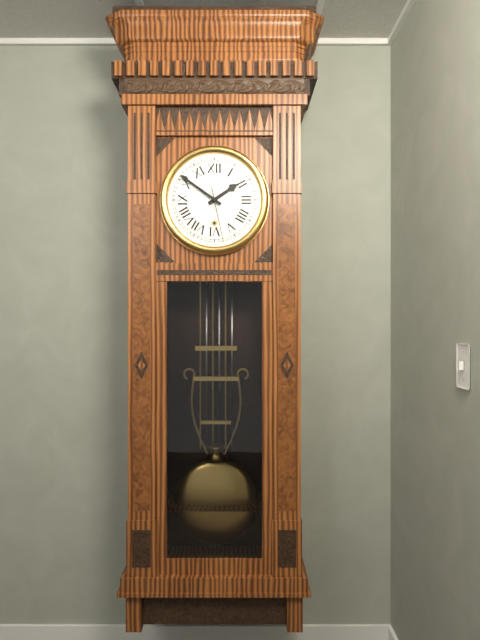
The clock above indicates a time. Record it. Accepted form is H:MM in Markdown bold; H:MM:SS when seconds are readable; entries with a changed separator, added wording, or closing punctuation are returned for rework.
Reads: **1:51**
